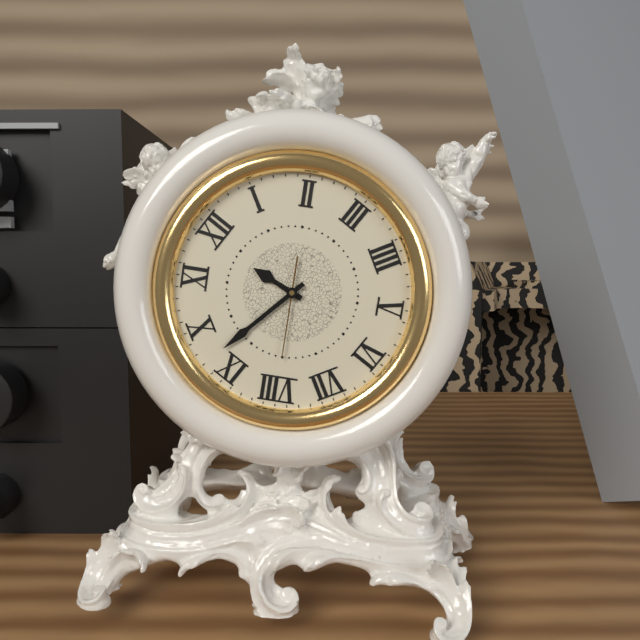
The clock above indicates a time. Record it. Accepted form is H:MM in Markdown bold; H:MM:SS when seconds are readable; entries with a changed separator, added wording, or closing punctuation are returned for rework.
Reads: **11:47:40**
